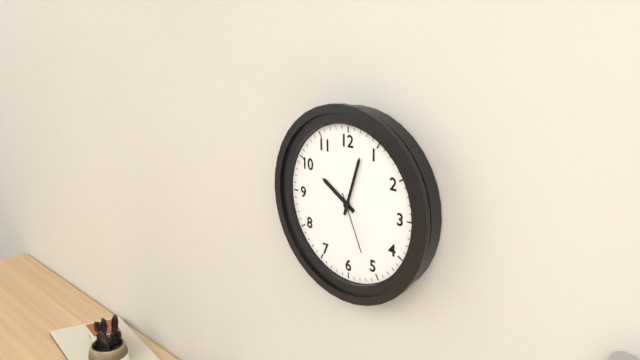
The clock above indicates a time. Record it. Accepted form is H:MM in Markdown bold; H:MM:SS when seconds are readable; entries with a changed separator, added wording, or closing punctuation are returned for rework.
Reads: **10:03:26**
